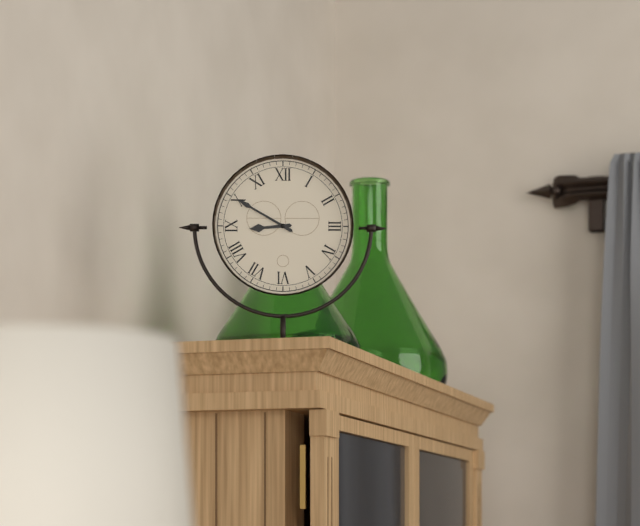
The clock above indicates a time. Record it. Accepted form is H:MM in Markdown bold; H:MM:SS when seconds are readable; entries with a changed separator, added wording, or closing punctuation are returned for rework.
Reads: **8:50**
